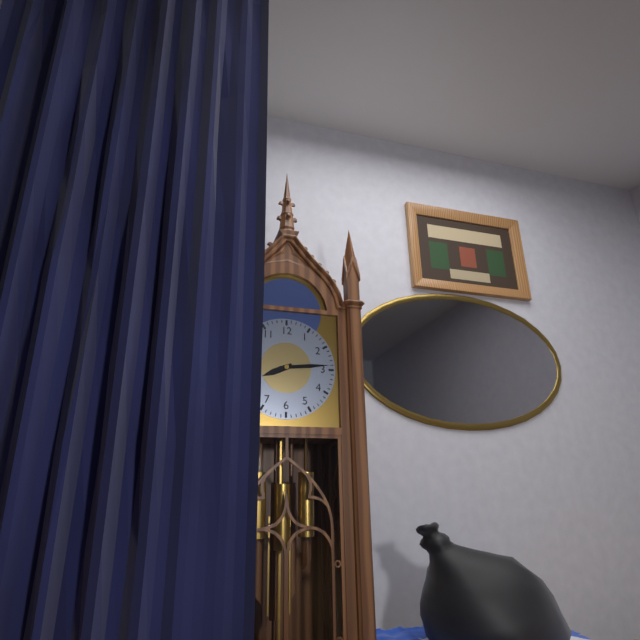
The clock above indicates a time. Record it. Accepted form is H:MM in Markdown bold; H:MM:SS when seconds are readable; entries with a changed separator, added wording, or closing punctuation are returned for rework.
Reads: **8:14**
